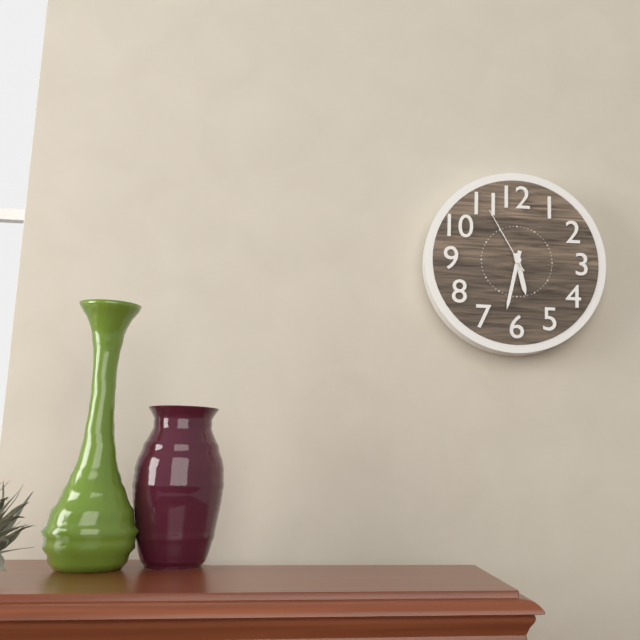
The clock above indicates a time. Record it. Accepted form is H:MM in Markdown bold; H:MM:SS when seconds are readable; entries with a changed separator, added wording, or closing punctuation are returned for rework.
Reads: **5:32:55**
